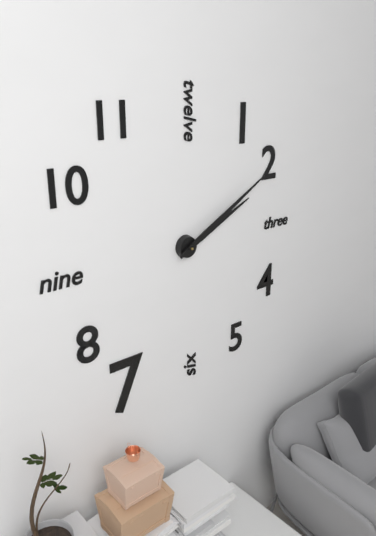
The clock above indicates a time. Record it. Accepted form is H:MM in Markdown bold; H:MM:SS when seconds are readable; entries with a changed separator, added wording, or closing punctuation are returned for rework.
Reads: **2:10**
